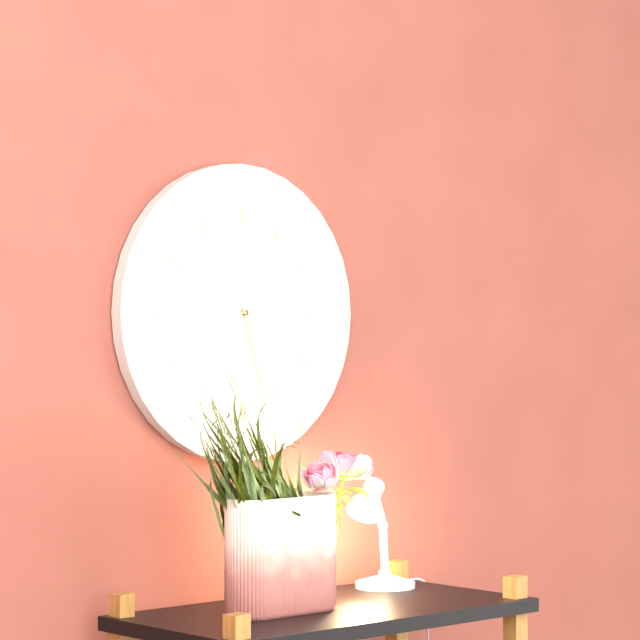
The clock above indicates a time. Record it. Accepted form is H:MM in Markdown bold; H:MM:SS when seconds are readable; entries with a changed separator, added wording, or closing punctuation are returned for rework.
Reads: **8:27**
